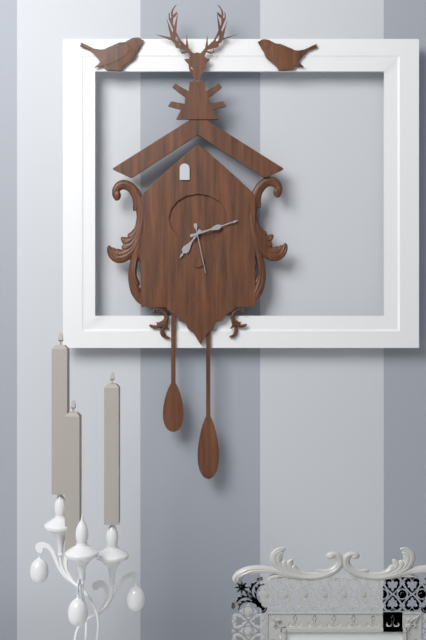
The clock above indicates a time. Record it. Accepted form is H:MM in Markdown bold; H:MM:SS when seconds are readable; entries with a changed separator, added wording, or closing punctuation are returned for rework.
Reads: **7:12:28**
